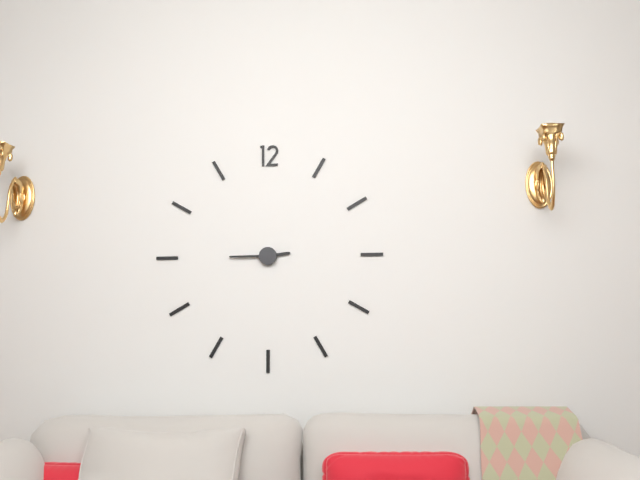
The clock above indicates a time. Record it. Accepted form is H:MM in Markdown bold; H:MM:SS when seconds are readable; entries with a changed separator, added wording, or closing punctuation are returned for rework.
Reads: **2:45**
